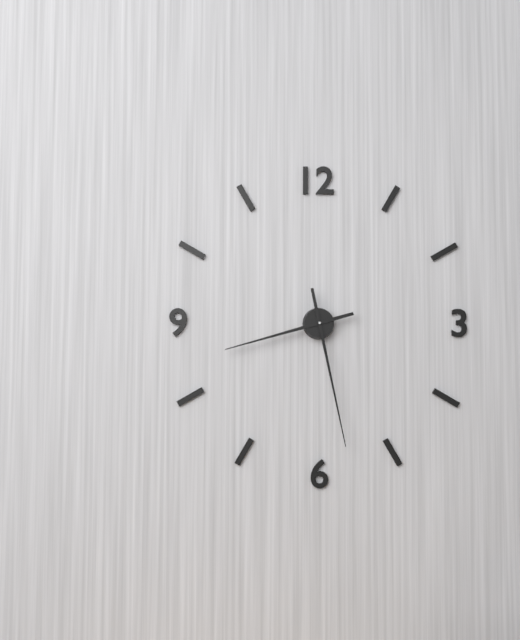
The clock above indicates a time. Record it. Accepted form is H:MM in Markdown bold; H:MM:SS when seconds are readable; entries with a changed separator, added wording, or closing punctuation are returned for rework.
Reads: **8:28**
